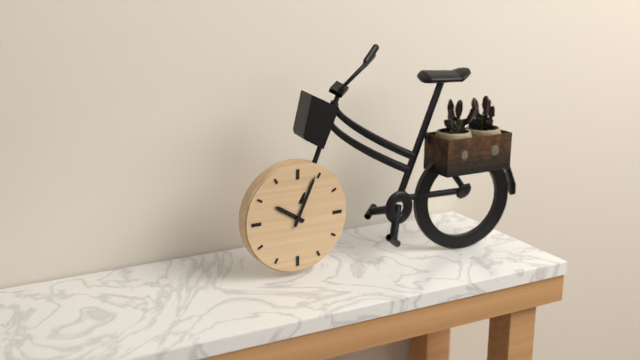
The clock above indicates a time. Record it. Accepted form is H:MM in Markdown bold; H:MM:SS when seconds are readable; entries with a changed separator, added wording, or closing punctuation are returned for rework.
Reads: **10:04**
